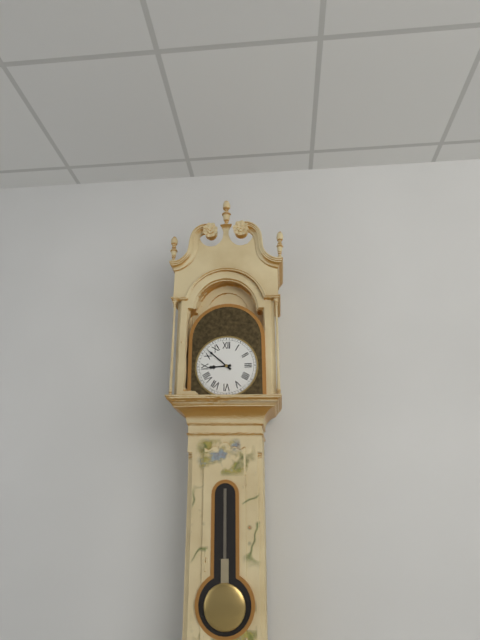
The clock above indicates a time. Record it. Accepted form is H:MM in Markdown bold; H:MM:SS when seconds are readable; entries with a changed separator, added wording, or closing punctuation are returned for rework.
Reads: **8:52**
